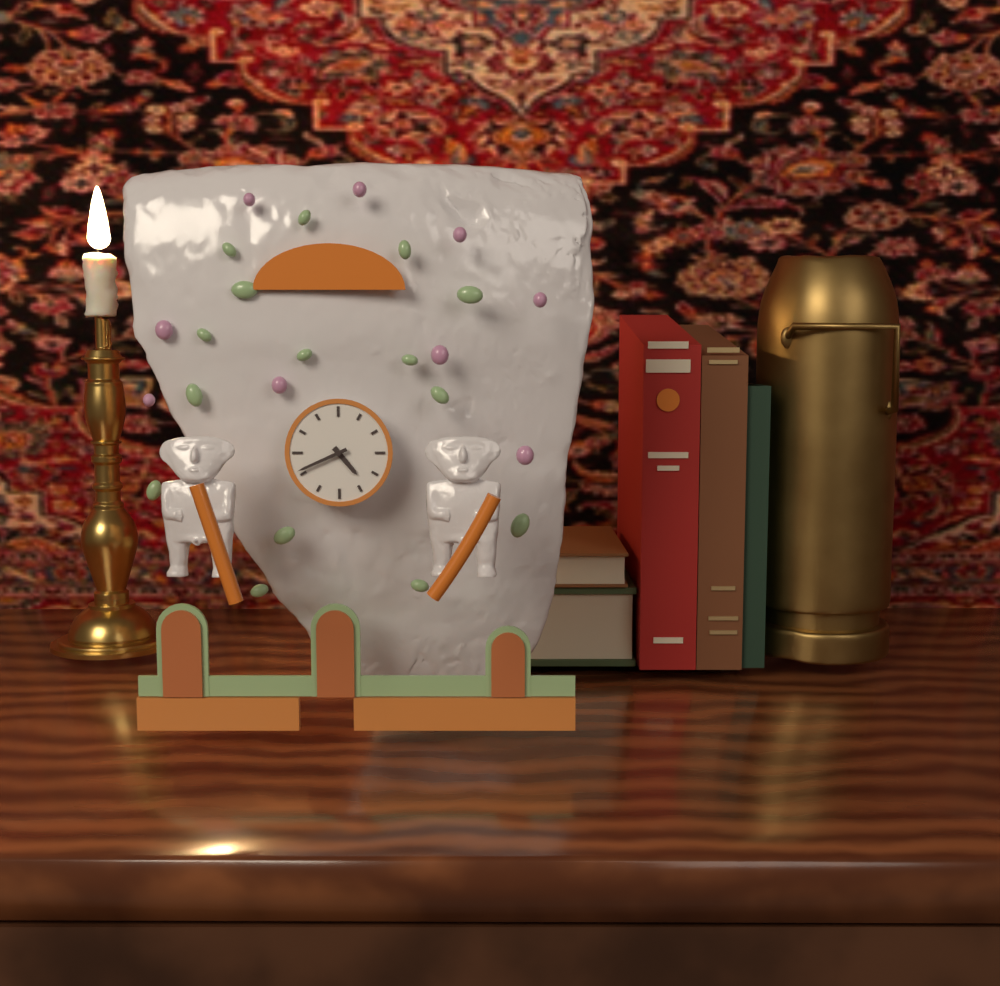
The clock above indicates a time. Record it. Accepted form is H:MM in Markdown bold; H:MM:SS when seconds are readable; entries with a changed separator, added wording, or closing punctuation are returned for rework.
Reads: **4:41**
